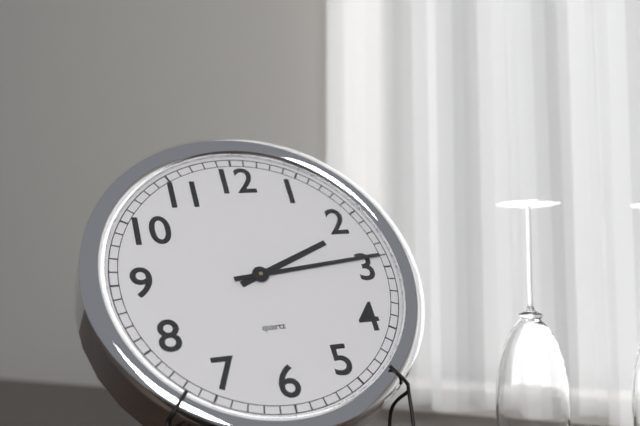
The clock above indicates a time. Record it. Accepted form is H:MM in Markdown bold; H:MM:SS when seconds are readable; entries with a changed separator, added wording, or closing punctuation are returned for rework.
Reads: **2:14**
